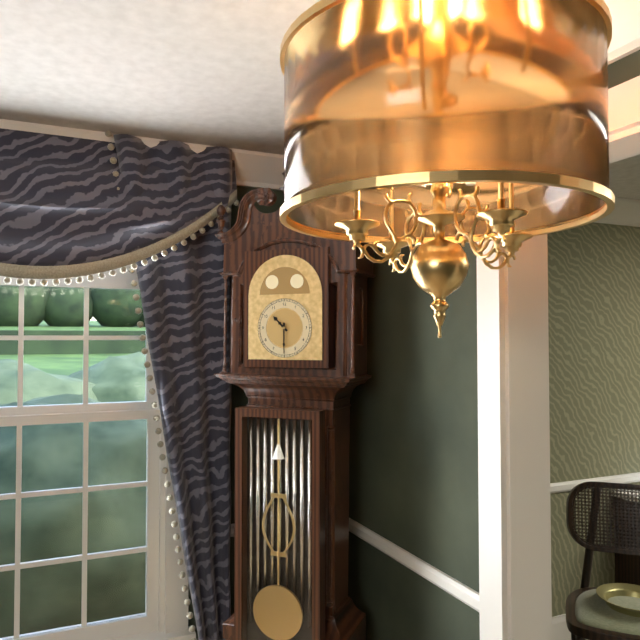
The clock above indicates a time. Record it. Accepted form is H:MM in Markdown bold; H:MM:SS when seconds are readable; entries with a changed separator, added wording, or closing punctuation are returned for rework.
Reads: **10:30**
